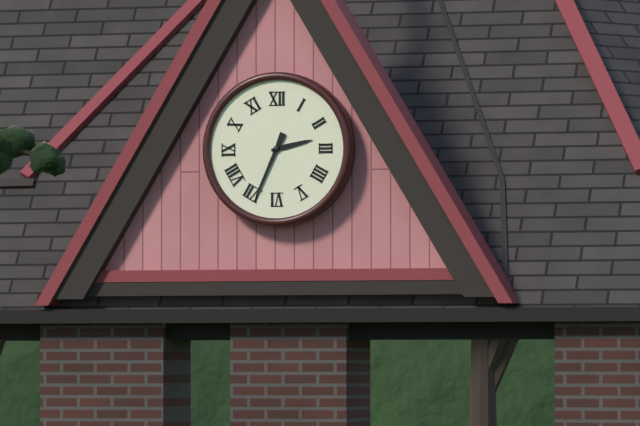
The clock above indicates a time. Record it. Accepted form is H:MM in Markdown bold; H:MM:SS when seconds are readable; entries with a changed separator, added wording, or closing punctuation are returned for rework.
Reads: **2:34**
